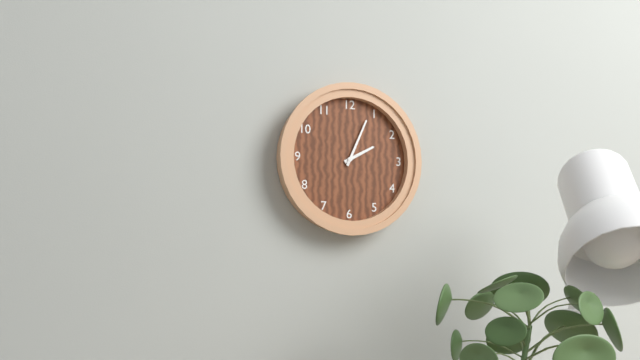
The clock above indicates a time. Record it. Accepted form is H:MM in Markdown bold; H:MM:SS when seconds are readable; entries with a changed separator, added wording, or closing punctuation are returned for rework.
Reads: **2:04**
